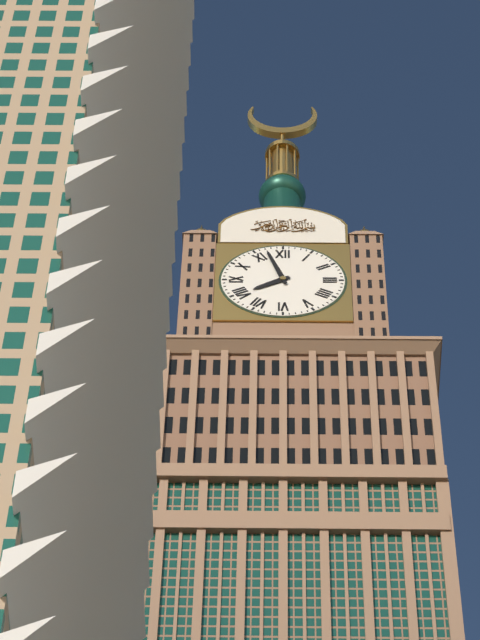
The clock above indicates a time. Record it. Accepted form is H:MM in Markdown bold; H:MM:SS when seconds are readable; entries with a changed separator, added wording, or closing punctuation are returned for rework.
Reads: **7:57**
